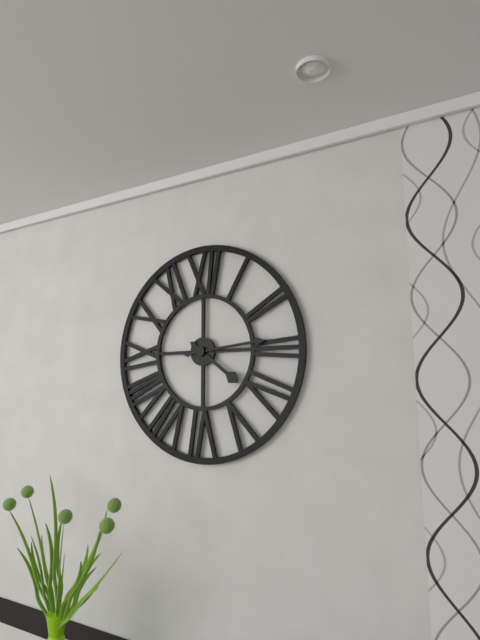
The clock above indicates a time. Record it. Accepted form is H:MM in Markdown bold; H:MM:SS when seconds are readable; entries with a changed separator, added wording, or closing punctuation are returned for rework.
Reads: **4:14**
